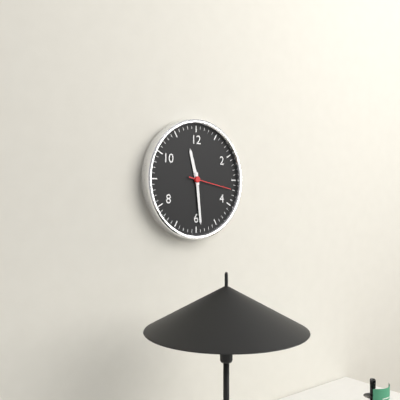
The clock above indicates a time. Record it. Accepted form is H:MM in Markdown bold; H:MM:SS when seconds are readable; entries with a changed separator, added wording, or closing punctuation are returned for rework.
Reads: **11:29**
